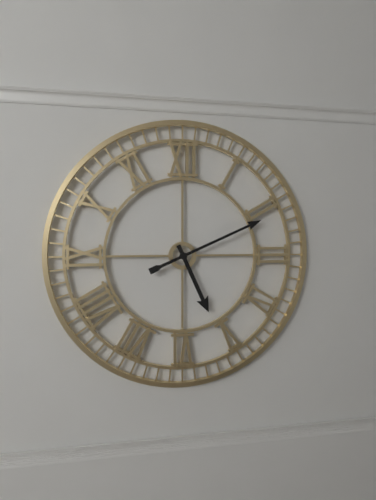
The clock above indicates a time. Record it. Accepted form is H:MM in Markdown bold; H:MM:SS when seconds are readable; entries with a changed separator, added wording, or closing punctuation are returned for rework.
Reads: **5:11**
